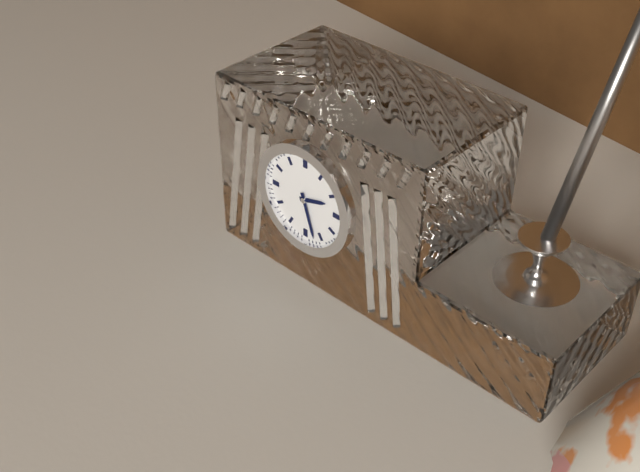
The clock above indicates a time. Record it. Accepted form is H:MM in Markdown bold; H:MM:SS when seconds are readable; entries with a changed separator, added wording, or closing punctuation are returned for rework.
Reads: **2:27**
